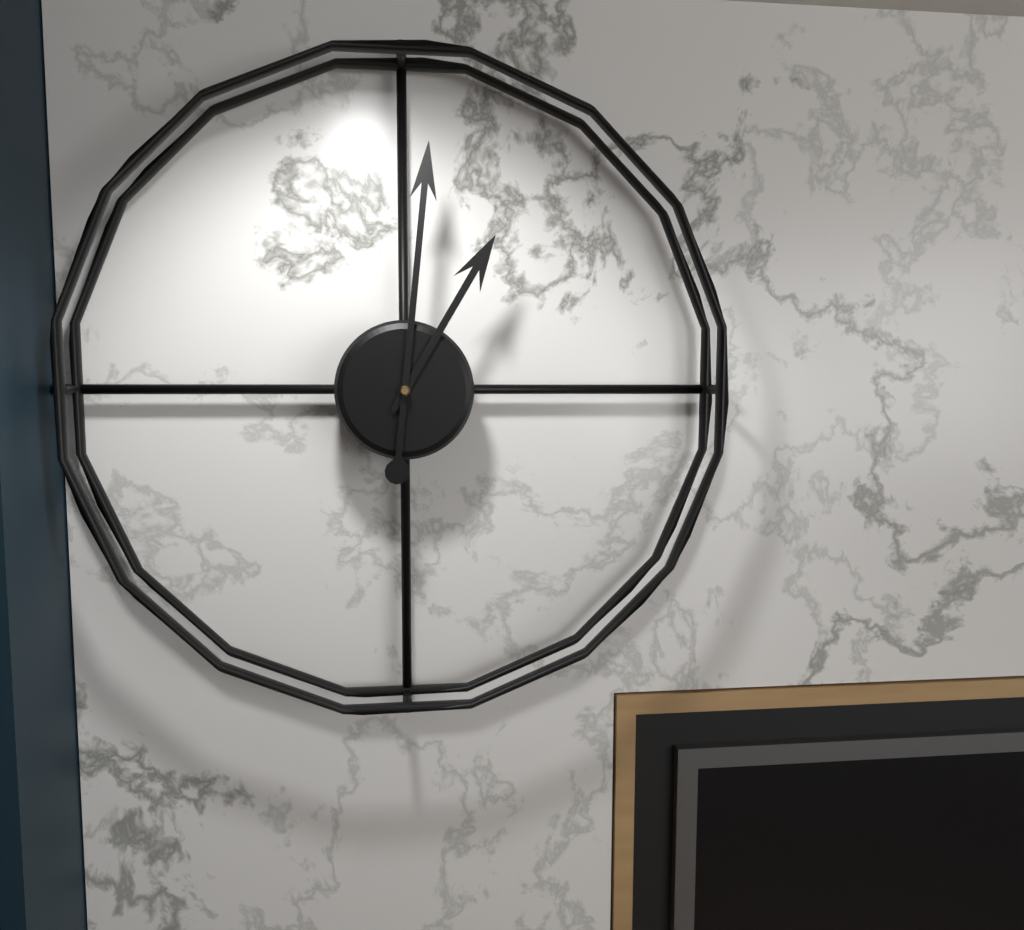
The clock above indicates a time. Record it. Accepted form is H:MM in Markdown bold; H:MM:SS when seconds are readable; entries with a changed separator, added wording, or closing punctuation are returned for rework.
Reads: **1:01**
